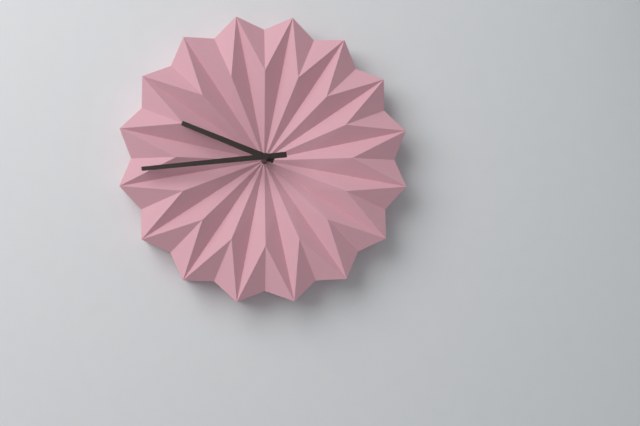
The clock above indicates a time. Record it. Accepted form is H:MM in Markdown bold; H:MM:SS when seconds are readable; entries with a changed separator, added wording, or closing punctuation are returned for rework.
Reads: **9:44**
